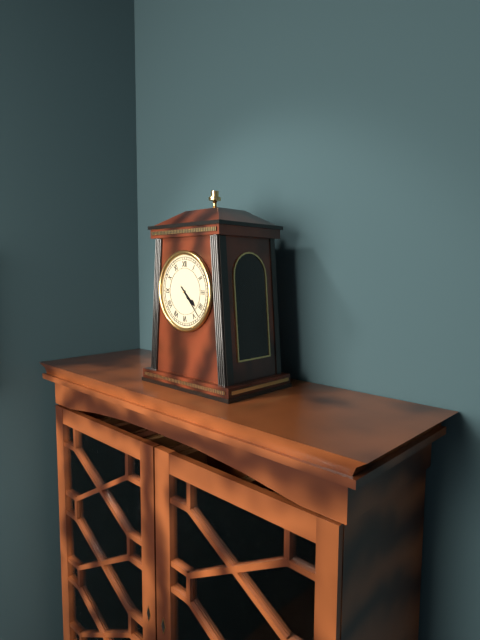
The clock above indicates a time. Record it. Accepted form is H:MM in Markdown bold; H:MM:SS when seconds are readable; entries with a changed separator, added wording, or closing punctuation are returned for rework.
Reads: **4:23**
